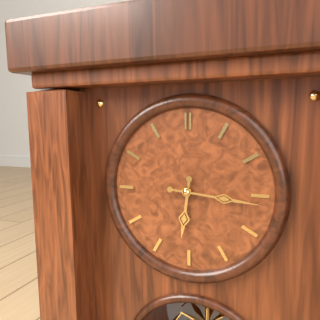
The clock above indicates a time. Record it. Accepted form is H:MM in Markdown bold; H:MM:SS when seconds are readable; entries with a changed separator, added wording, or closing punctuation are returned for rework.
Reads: **6:16**
